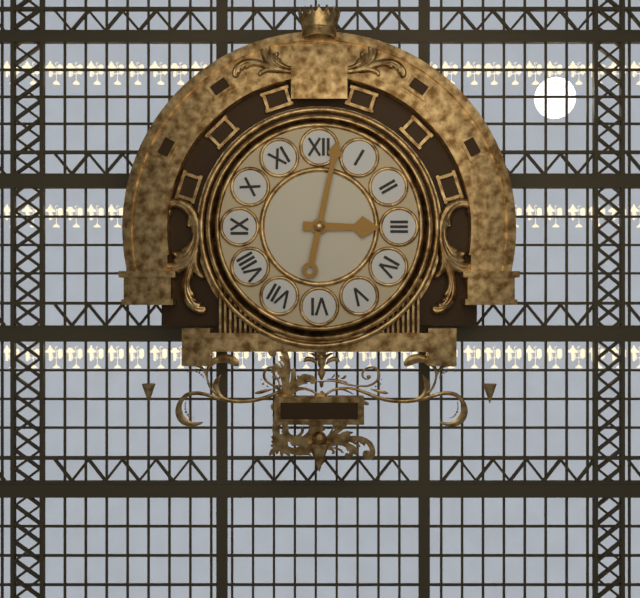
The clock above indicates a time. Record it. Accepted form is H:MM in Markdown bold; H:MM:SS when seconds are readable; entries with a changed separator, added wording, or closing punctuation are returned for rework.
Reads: **3:02**
